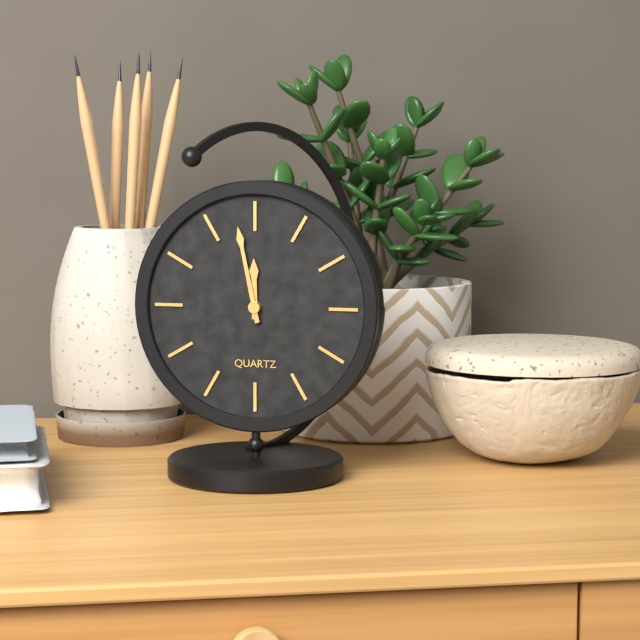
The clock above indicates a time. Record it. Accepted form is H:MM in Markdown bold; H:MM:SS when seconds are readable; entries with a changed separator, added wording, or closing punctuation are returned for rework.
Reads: **11:58**
